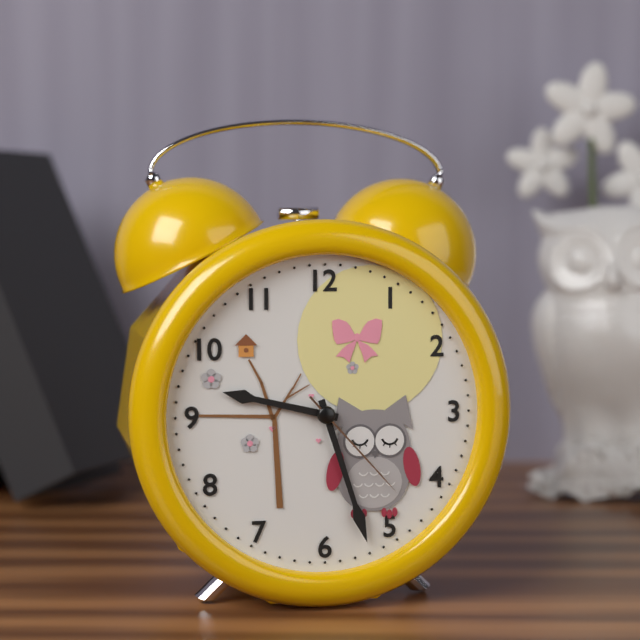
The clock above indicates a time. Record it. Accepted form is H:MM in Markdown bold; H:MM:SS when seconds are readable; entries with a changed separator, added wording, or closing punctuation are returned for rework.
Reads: **9:27:23**
